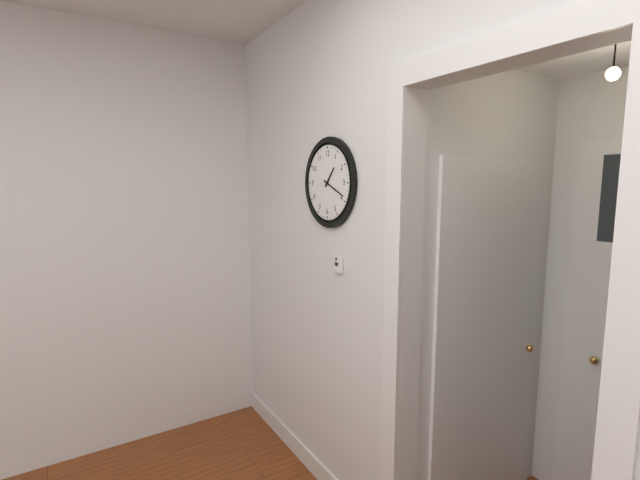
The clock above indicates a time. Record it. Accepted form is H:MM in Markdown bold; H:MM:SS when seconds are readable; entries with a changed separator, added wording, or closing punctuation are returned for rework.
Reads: **1:19**
